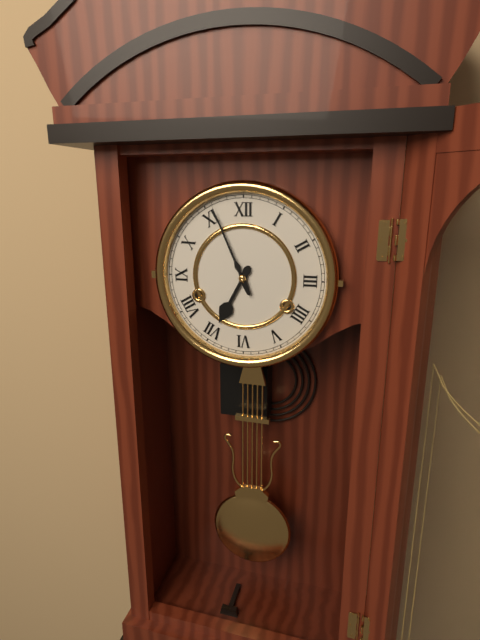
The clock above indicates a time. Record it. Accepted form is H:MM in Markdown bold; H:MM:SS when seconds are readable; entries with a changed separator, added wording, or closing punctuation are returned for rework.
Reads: **6:56**
